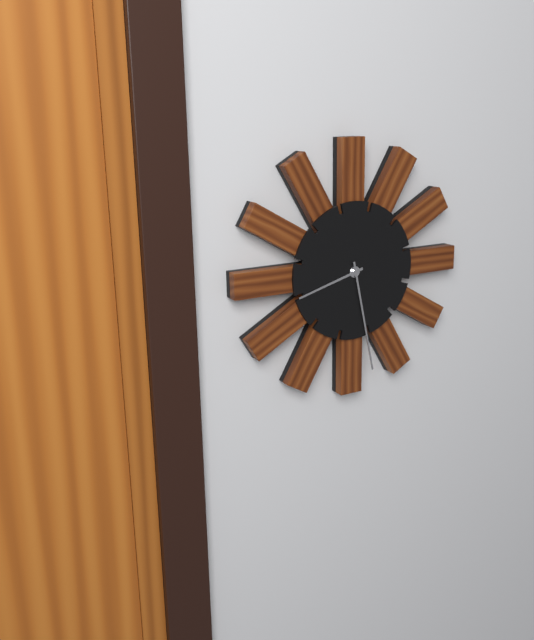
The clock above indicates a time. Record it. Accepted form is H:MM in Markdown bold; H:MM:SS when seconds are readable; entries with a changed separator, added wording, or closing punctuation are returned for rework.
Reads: **8:28**
